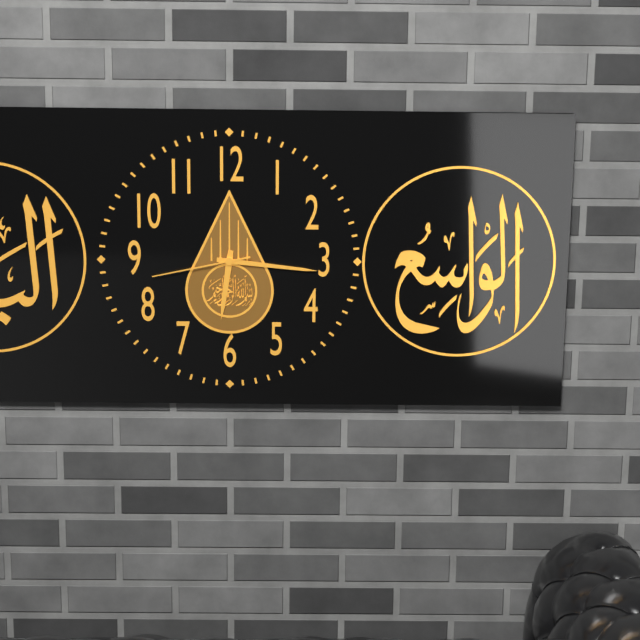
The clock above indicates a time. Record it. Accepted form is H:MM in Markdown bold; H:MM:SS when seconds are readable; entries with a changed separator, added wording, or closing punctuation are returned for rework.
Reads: **6:16:43**
